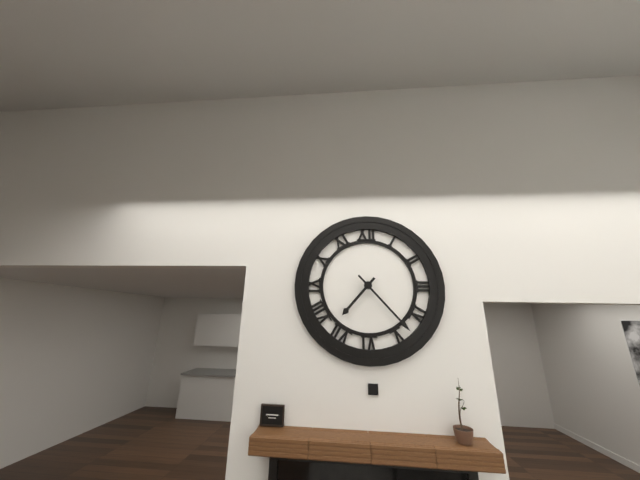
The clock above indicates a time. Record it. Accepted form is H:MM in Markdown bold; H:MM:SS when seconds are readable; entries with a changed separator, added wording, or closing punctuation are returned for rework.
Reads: **7:23**
